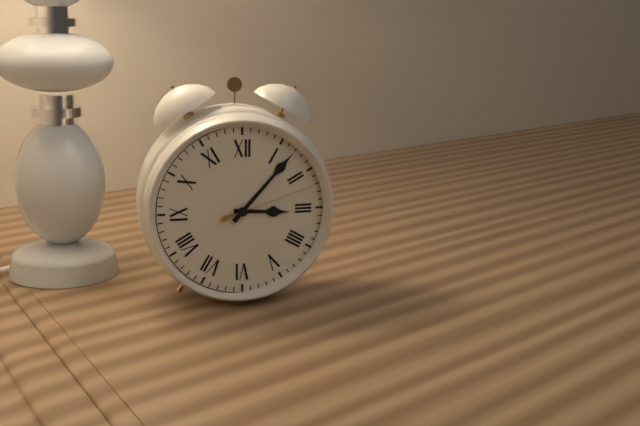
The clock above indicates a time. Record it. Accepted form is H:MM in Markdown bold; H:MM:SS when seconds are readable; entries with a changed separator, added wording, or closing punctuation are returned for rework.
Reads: **3:07:12**
